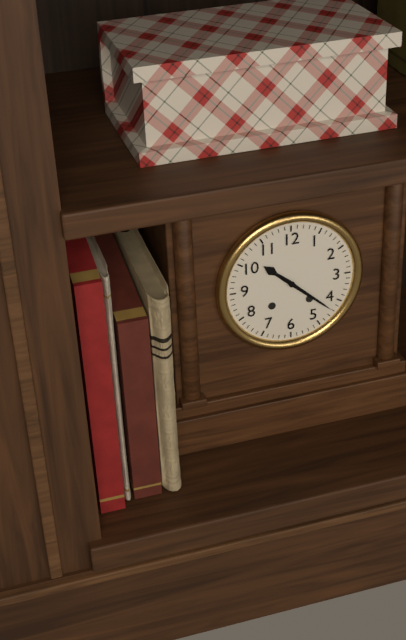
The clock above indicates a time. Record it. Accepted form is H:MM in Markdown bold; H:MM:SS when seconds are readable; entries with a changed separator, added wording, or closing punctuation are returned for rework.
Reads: **10:22**
